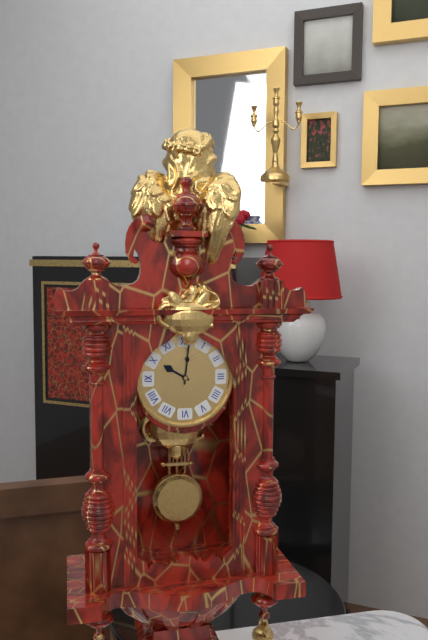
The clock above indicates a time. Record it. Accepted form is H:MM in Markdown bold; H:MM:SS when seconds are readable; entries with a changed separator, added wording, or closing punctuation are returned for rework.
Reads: **10:01**
